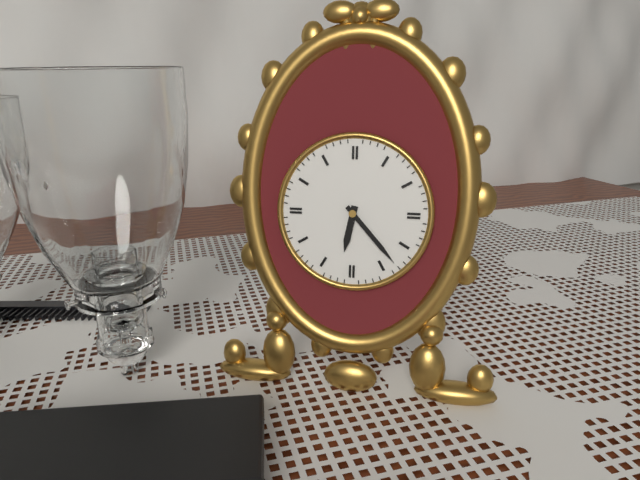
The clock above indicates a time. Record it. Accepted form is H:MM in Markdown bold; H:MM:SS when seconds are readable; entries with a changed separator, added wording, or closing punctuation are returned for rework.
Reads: **6:23**
